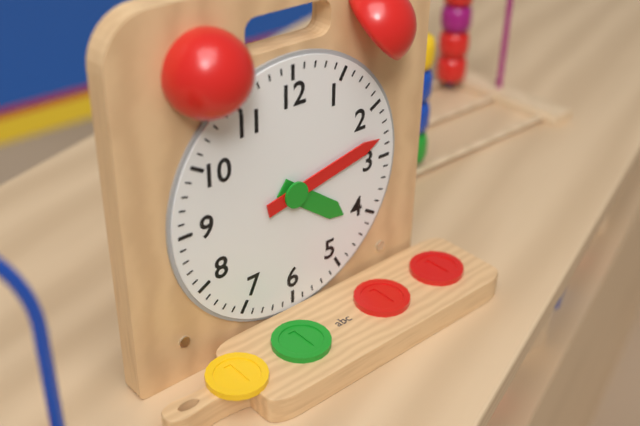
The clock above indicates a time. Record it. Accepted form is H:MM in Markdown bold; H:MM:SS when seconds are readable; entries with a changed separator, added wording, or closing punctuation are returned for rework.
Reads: **4:13**
